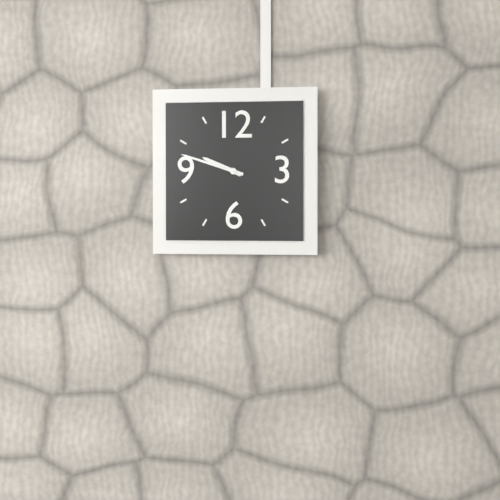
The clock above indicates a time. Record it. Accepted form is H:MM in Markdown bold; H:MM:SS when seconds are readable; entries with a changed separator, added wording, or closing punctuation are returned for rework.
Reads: **9:48**
